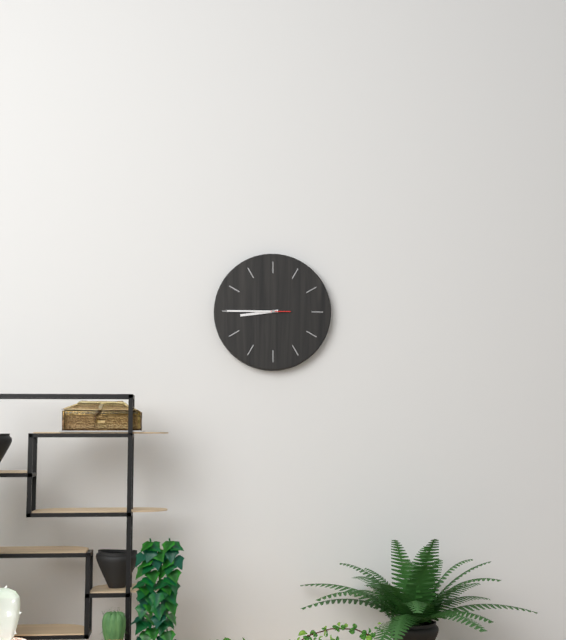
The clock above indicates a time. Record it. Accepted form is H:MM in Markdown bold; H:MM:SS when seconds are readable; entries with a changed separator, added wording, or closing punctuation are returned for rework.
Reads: **8:45**
